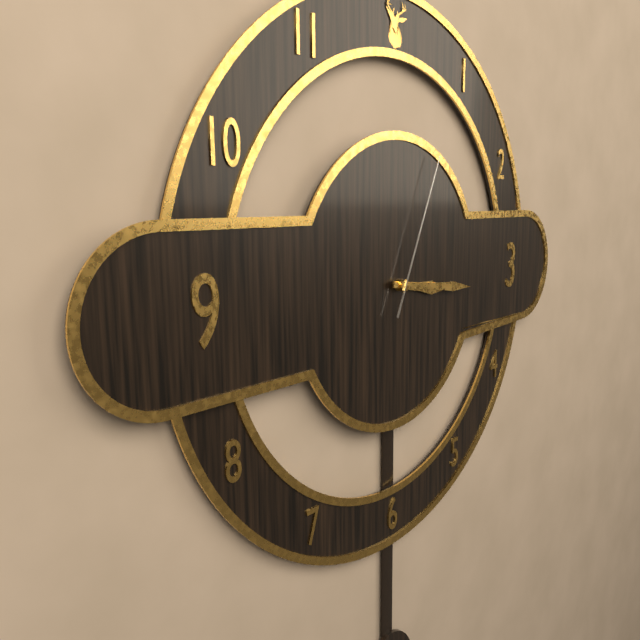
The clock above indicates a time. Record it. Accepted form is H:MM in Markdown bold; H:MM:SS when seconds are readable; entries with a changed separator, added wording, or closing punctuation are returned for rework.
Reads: **3:16:04**
